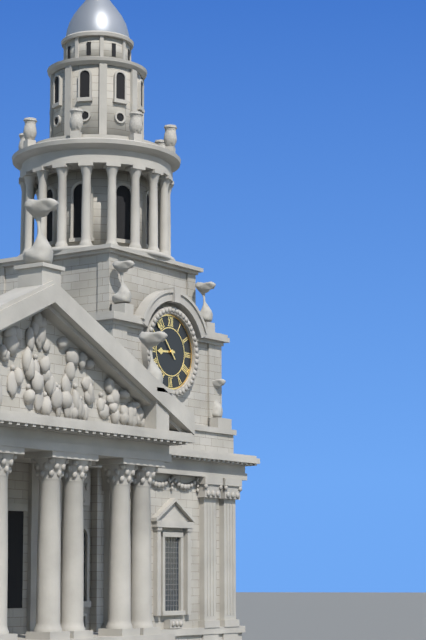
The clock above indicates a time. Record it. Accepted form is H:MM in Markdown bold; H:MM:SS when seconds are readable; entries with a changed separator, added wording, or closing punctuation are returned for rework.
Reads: **8:53**
